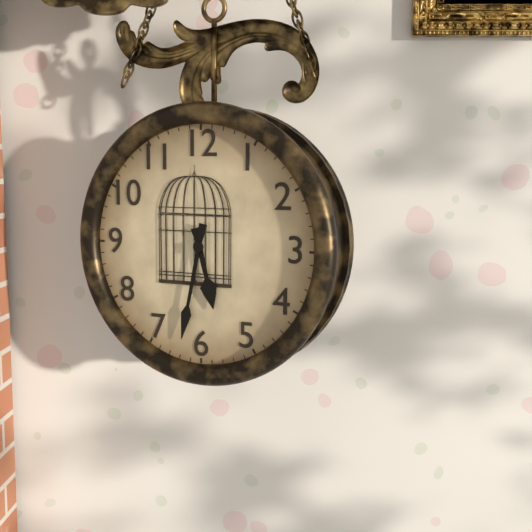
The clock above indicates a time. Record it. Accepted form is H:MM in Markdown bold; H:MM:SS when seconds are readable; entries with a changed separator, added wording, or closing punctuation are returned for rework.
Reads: **5:32**
